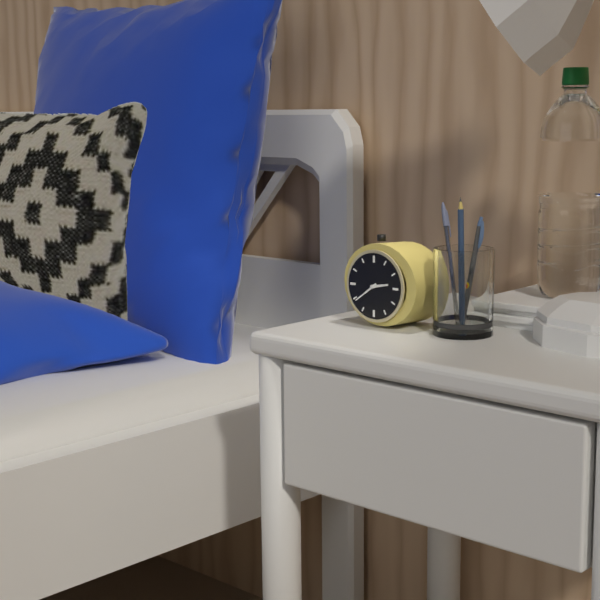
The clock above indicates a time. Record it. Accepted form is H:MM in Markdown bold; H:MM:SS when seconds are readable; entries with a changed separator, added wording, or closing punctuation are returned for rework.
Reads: **2:39**
